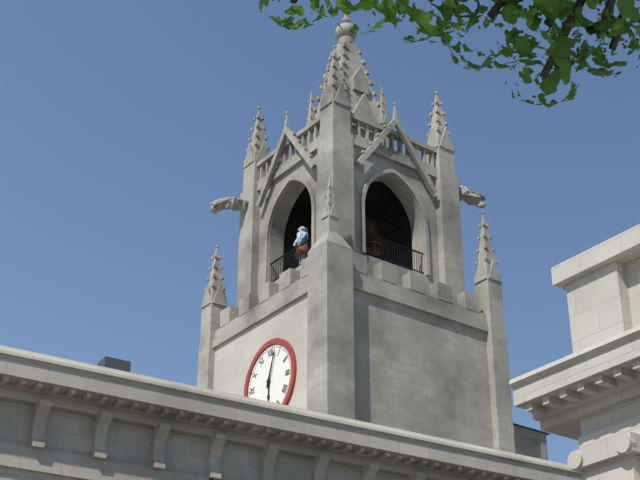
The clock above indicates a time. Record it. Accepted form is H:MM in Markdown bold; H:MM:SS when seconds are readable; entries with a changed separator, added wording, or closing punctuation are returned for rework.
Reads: **6:03**
